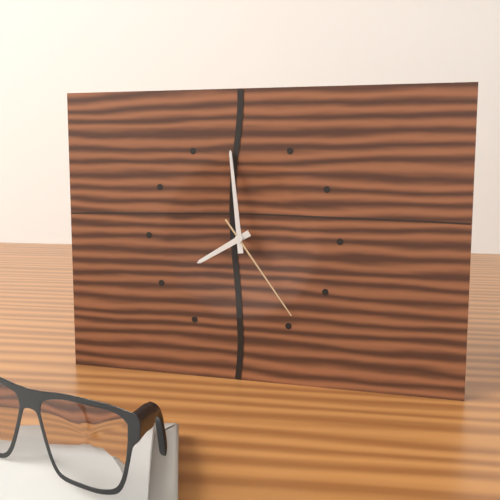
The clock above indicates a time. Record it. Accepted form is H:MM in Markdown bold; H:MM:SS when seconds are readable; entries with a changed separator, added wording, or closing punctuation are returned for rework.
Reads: **7:59:24**
